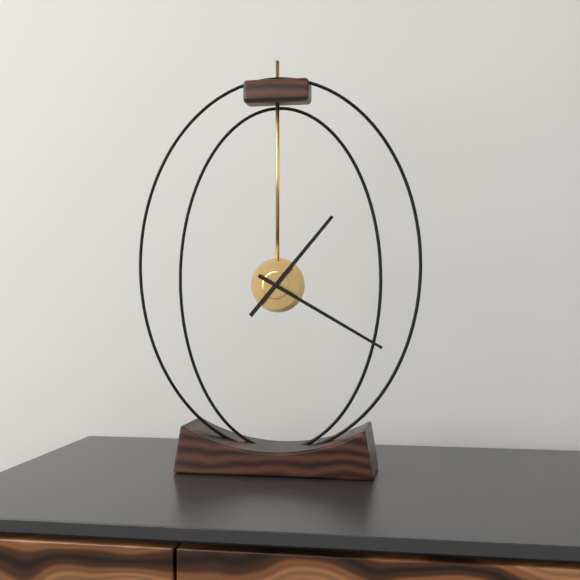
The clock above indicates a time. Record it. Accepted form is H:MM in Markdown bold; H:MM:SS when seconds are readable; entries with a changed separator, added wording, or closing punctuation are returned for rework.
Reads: **1:20**
